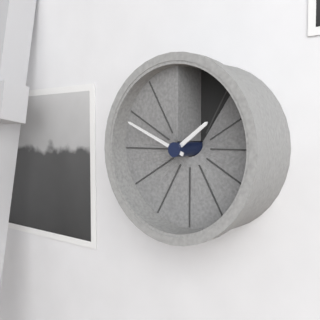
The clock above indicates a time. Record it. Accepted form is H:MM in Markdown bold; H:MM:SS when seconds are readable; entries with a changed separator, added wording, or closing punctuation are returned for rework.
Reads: **1:49**
